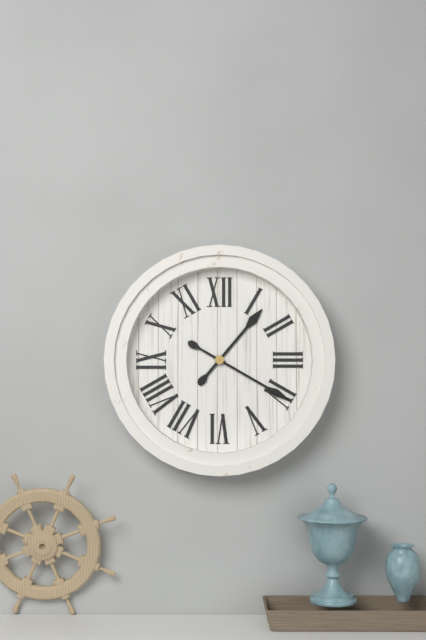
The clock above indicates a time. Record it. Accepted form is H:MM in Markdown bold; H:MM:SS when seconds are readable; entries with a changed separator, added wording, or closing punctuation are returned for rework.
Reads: **1:20**
